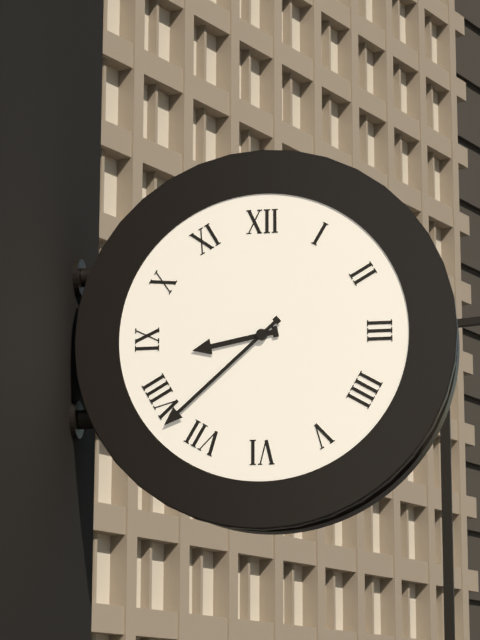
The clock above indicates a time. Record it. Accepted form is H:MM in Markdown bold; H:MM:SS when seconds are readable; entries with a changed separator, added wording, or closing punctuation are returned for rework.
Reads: **8:38**
